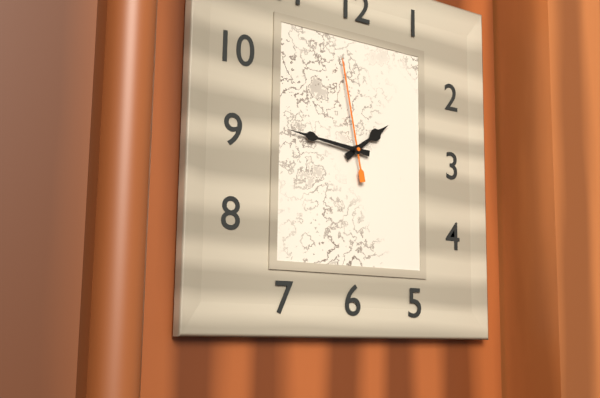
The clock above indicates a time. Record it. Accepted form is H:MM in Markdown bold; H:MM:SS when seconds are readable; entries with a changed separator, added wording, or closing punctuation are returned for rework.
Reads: **1:46:58**
